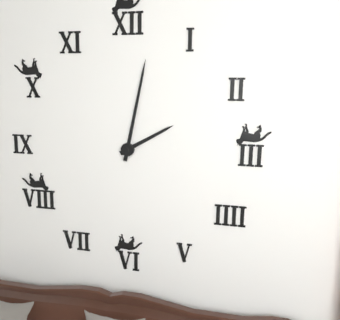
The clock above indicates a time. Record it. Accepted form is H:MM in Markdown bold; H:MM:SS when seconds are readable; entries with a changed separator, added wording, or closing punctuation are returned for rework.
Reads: **2:02**
